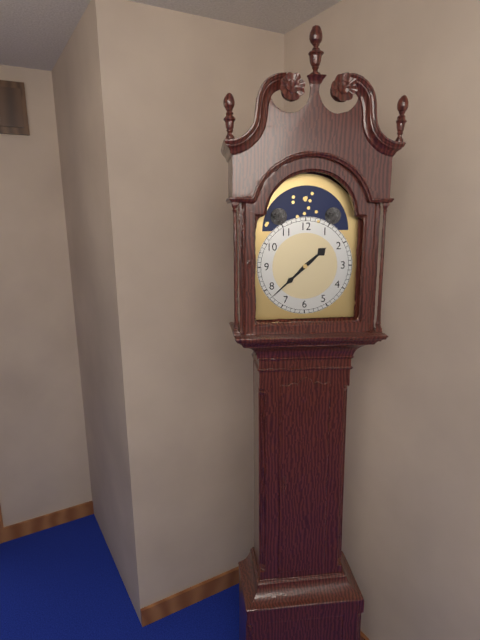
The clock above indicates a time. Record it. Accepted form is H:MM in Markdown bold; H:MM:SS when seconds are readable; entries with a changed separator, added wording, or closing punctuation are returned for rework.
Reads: **1:38**
